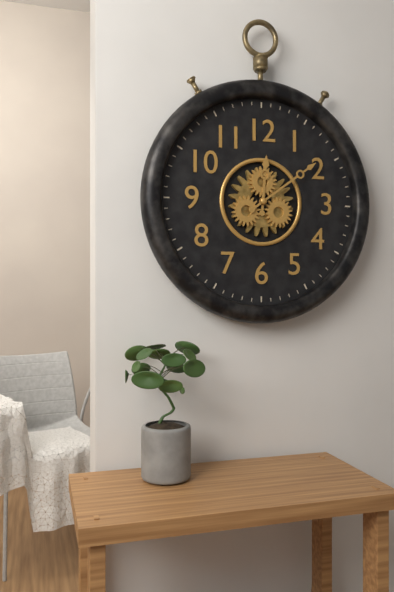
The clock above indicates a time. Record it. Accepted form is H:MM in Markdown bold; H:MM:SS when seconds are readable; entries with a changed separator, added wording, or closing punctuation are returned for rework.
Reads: **12:09**
